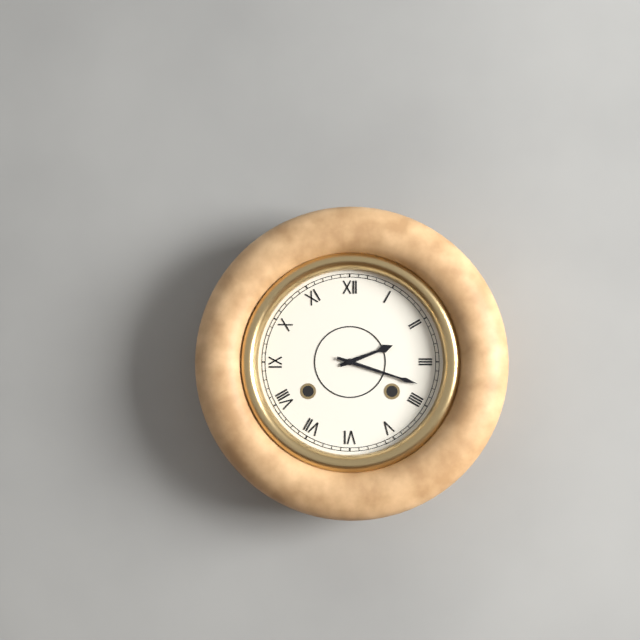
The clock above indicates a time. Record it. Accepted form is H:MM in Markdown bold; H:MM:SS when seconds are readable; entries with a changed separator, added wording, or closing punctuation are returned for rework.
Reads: **2:18**
